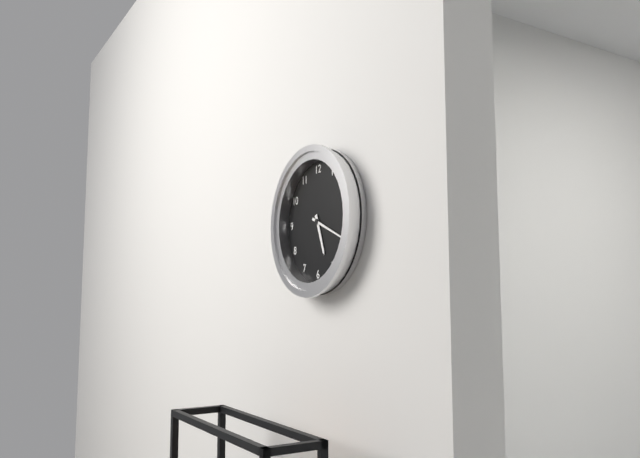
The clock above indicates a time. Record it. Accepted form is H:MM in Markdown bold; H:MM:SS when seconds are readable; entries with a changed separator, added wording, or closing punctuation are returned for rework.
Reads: **5:19**
